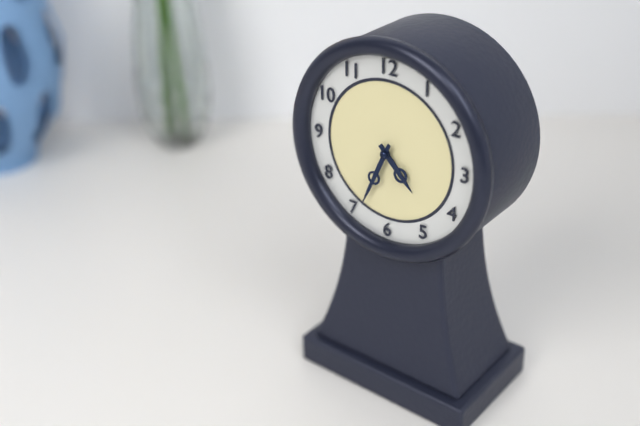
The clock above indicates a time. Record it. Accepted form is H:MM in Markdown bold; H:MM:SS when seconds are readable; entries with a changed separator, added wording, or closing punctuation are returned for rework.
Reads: **4:34**
